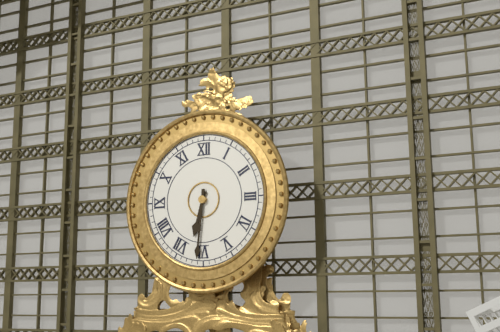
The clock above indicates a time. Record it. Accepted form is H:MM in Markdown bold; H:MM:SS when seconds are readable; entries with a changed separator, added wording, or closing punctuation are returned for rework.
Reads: **6:31**
